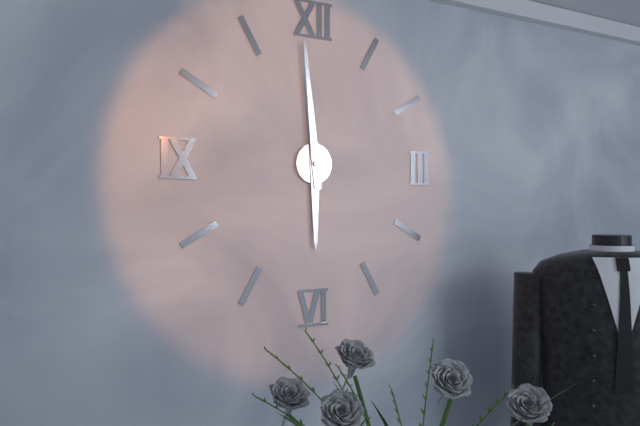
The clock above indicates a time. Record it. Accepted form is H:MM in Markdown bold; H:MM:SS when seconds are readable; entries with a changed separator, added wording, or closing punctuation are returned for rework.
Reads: **5:59**
